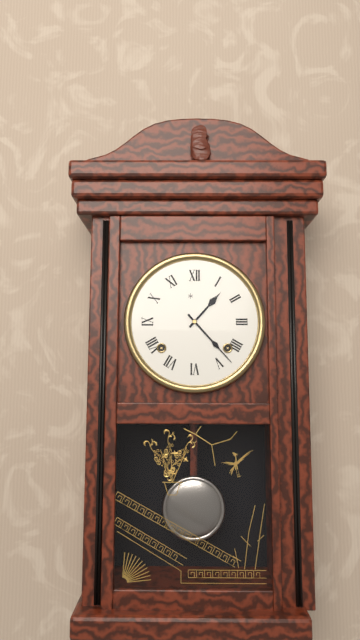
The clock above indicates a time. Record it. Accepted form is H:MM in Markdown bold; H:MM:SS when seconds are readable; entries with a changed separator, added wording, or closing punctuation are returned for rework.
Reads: **1:23**
